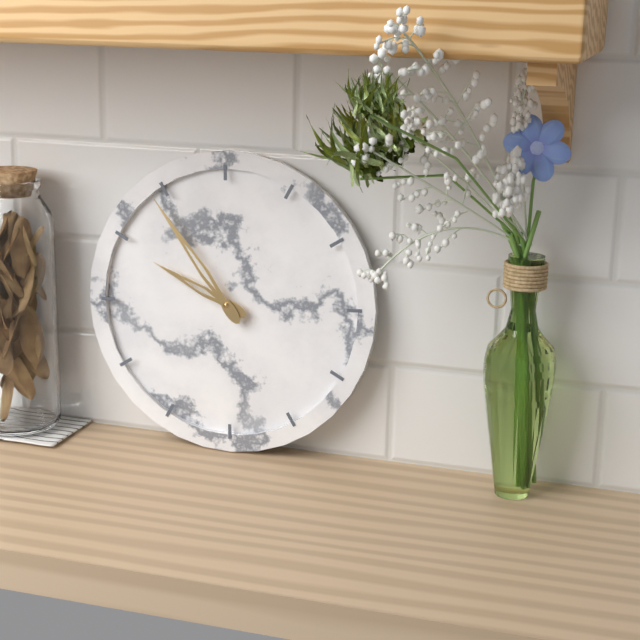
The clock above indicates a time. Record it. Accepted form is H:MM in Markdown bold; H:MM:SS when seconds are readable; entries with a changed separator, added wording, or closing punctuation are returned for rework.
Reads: **9:54**
